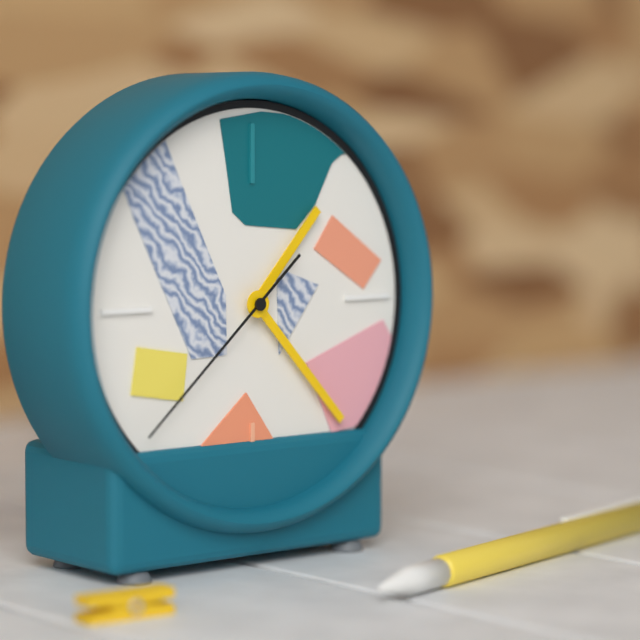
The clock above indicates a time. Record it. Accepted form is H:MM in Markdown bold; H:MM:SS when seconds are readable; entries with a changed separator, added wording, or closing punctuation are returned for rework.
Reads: **1:23:38**
